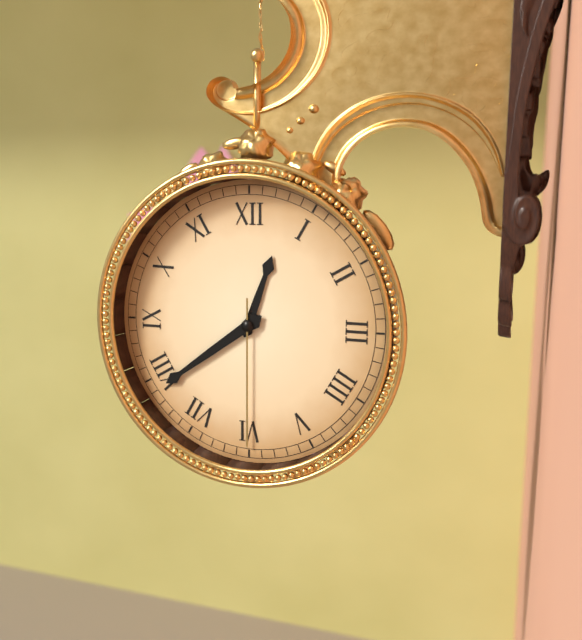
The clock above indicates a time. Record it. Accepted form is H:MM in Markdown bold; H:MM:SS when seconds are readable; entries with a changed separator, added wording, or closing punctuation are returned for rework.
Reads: **12:39:30**
